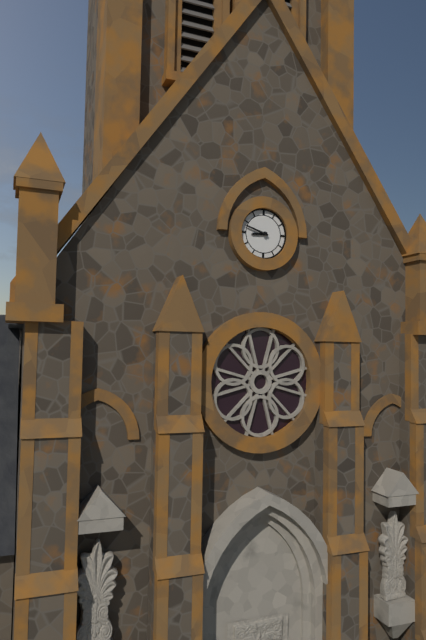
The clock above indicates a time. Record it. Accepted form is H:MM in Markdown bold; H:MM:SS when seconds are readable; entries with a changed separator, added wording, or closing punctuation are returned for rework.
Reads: **8:48**
